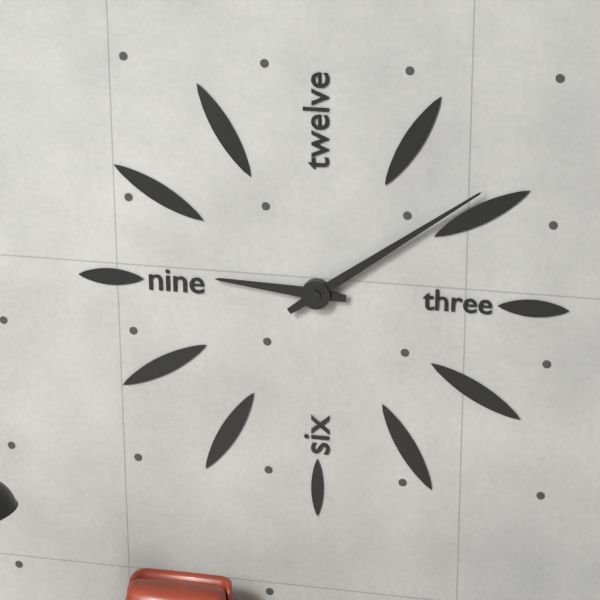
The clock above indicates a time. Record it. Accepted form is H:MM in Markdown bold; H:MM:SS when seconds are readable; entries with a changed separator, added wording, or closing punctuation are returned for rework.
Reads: **9:09**
